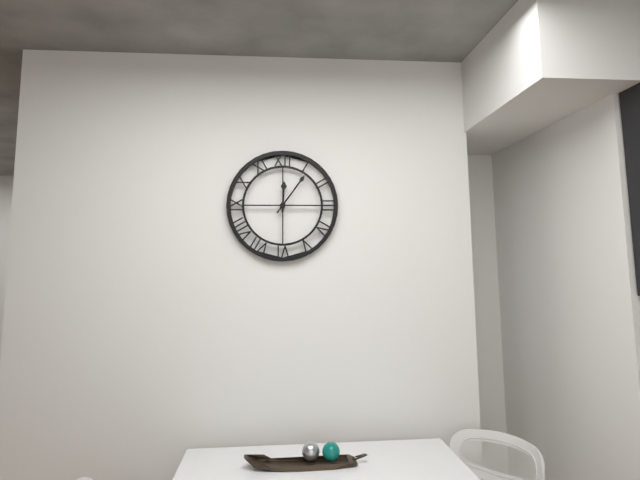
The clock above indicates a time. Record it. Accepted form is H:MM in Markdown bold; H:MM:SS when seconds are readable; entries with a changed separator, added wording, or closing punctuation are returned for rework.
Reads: **12:06**
